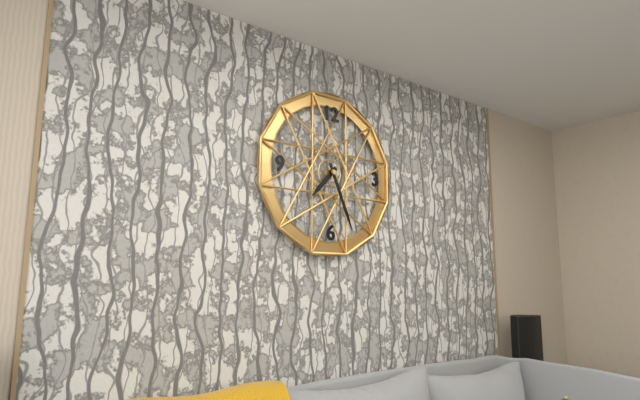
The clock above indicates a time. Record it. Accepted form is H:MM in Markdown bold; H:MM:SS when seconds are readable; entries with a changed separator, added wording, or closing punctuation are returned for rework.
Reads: **7:26**
